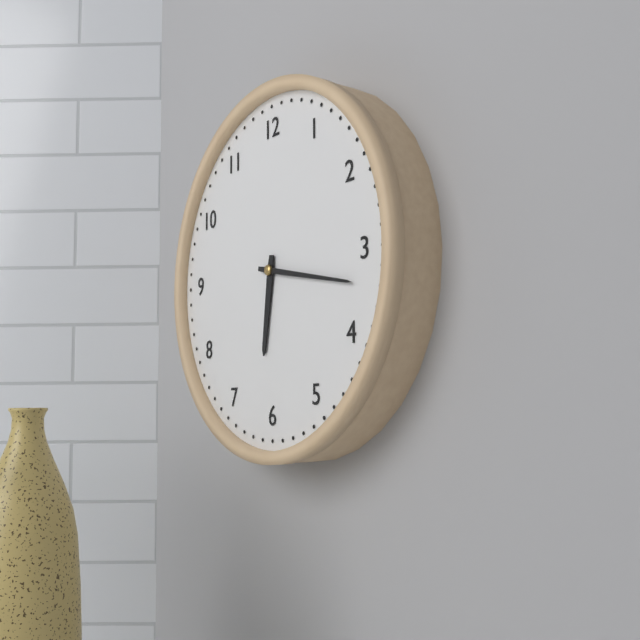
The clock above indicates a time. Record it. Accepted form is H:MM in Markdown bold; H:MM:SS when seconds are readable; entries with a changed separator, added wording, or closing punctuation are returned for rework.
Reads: **6:17**
